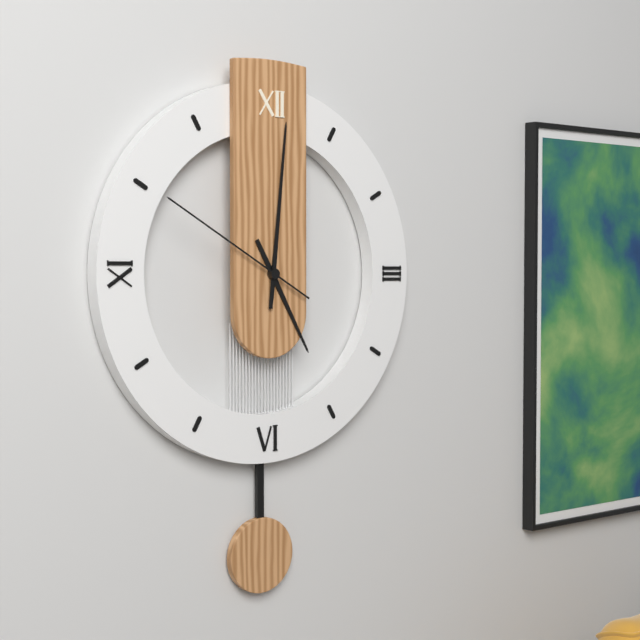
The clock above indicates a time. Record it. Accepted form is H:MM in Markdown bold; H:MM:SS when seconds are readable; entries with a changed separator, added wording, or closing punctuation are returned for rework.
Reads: **5:01:50**
